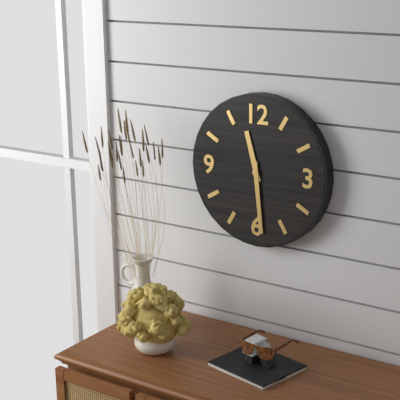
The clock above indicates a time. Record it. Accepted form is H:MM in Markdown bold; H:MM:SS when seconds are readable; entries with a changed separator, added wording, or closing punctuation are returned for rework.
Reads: **11:29**
